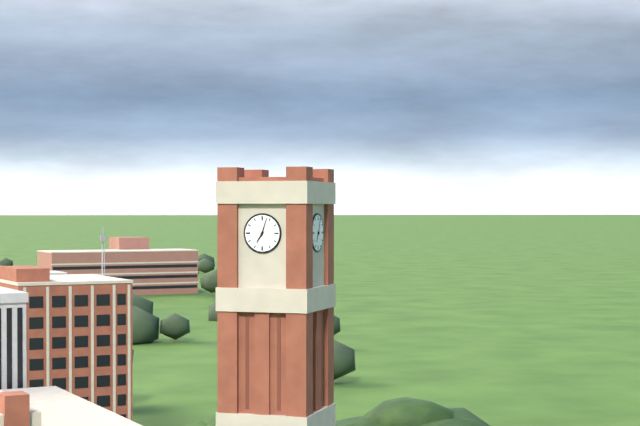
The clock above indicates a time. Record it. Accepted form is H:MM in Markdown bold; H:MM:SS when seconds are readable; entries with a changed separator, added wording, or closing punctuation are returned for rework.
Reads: **7:03**
